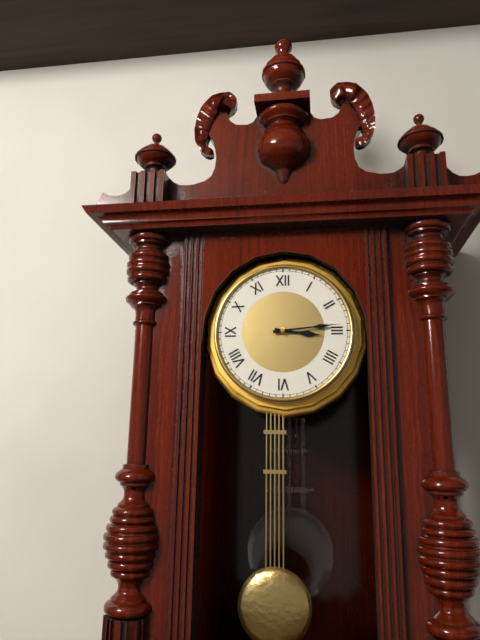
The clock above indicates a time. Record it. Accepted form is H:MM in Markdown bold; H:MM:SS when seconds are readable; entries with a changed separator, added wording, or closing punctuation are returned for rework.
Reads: **3:14**
